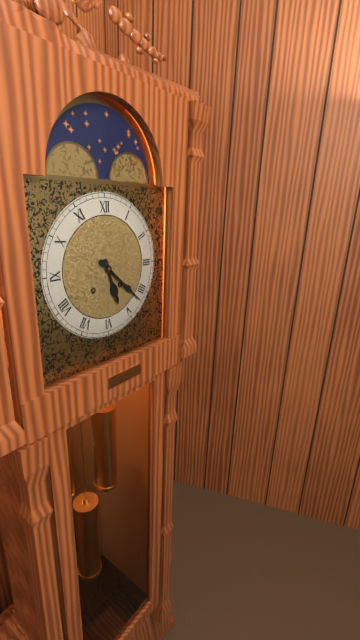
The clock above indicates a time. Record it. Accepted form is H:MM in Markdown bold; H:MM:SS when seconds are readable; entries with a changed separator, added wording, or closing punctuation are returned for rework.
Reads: **5:22**
